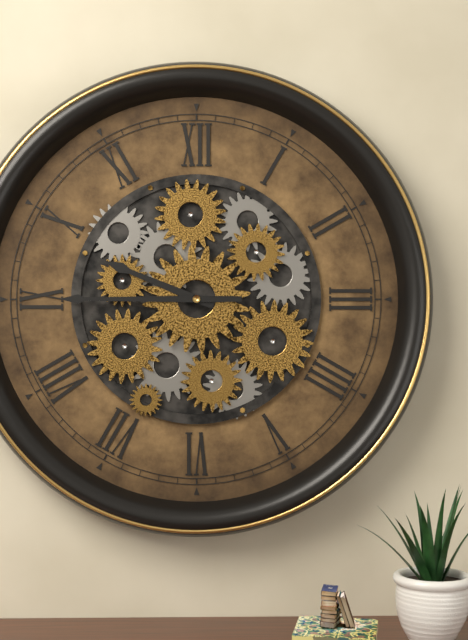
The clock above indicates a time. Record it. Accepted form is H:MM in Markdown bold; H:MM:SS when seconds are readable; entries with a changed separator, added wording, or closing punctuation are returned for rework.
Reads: **9:45**
